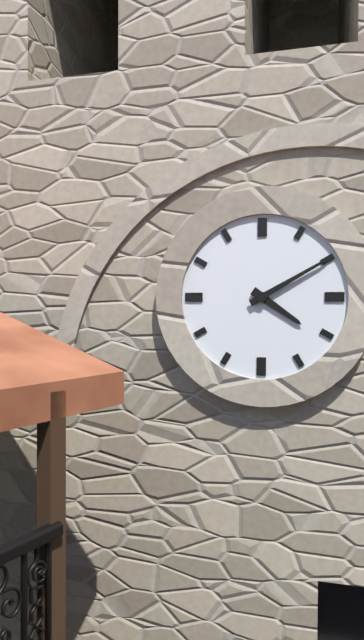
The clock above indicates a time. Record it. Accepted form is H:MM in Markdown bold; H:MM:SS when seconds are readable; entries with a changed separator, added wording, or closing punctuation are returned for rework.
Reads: **4:10**
